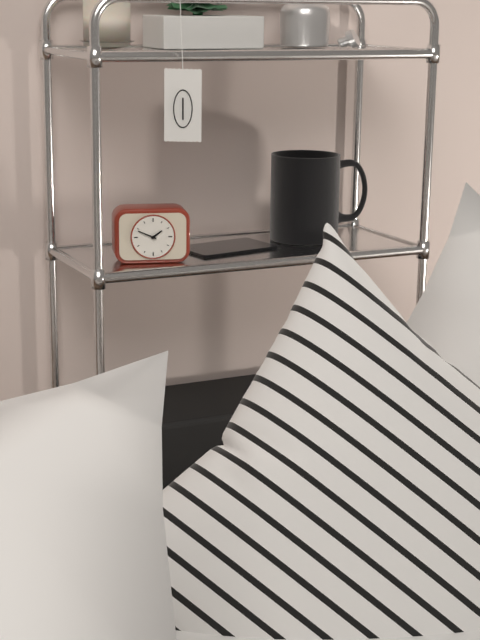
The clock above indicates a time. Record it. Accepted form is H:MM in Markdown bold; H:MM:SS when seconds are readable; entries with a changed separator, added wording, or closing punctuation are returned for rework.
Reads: **1:49**
